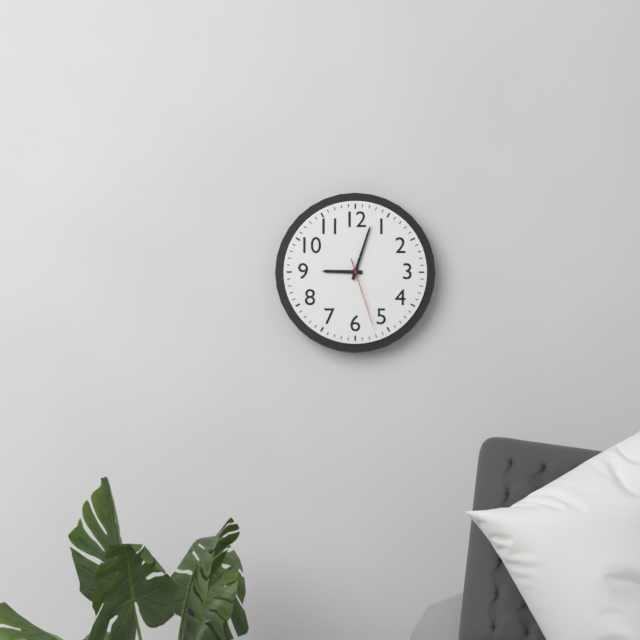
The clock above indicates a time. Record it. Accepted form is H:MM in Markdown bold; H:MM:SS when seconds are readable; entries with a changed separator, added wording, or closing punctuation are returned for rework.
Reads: **9:03:27**
